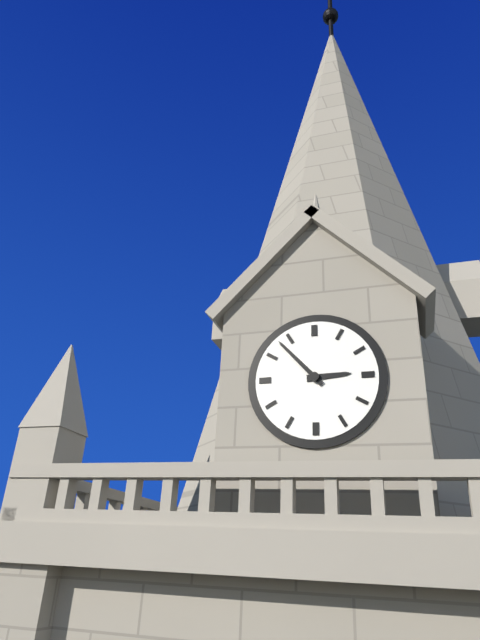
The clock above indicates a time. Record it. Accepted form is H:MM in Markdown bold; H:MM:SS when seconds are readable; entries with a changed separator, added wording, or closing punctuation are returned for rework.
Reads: **2:53**
